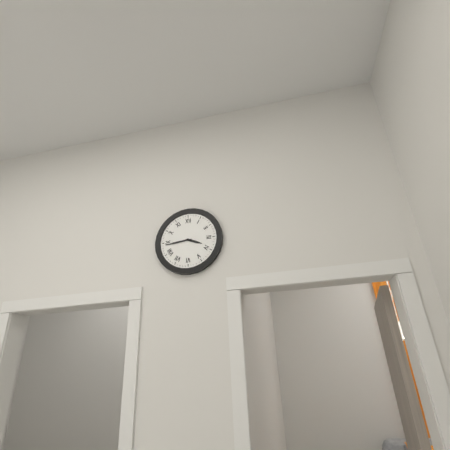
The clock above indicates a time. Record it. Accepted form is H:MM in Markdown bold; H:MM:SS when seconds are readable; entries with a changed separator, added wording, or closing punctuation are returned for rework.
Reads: **3:44**
